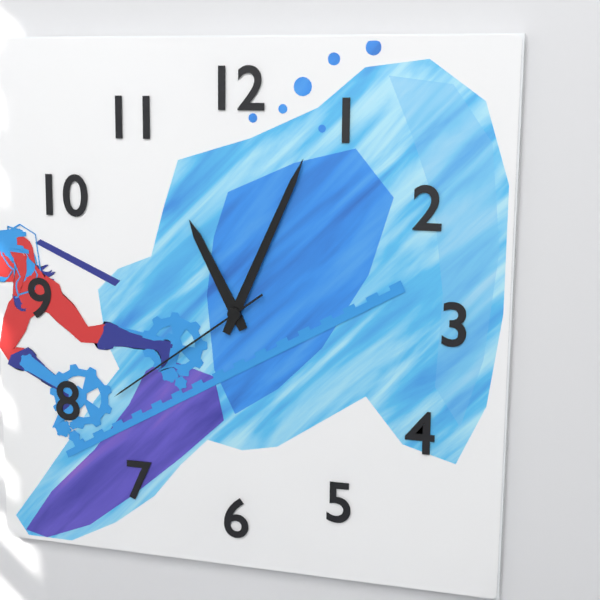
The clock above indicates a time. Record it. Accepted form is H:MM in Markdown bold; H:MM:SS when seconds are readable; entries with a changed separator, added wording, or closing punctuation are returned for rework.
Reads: **11:04:39**
